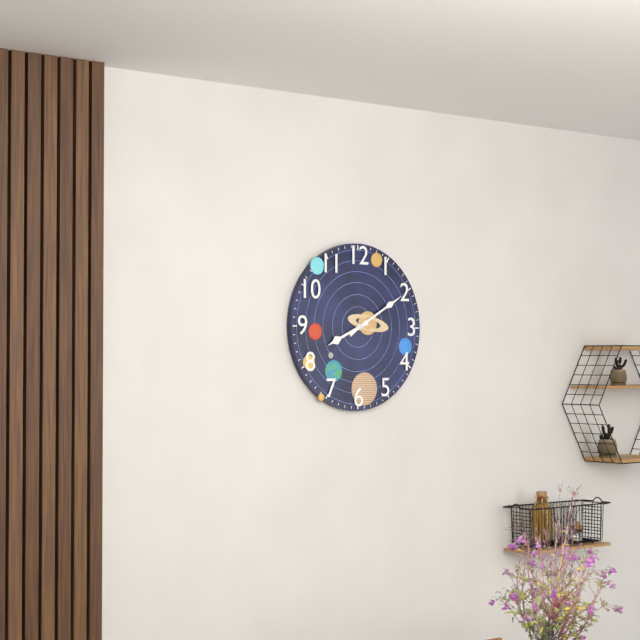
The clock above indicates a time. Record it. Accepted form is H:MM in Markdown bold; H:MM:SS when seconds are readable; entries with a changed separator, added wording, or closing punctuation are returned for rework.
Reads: **8:10**
